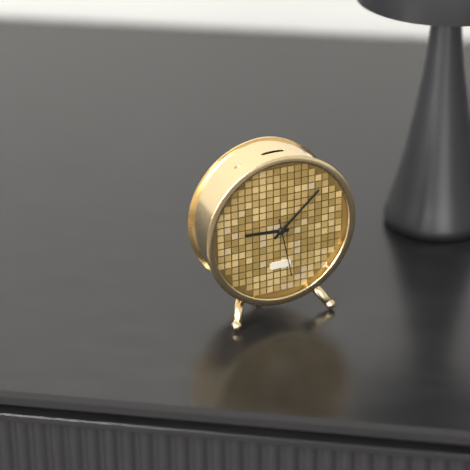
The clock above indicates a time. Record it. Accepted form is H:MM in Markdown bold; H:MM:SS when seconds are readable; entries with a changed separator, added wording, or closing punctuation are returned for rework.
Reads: **9:08:28**
